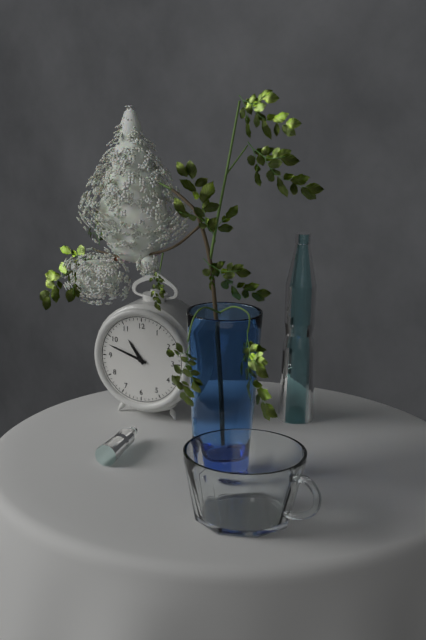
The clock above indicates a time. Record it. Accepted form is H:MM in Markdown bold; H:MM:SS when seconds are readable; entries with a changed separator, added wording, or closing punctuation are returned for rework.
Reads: **10:48**
